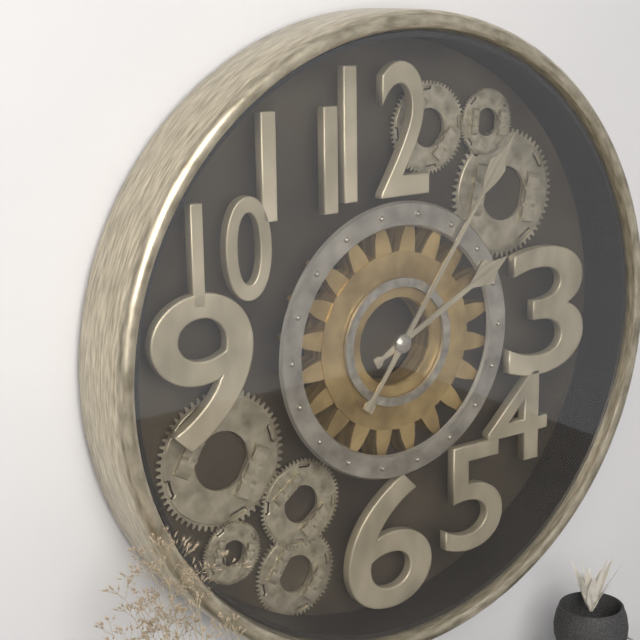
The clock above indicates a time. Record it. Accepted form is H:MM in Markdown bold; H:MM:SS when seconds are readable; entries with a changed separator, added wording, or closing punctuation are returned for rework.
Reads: **2:06**
